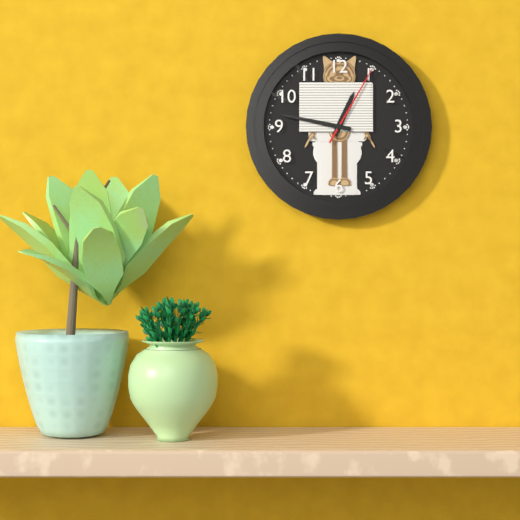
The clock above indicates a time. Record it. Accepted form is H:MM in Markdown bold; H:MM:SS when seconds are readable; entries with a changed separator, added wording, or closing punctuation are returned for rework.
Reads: **12:47:05**
